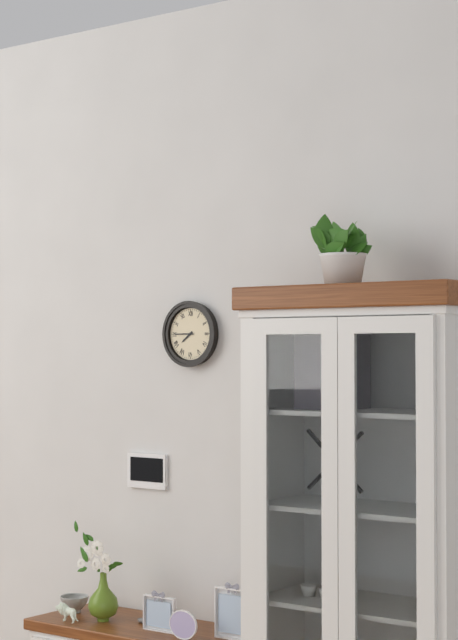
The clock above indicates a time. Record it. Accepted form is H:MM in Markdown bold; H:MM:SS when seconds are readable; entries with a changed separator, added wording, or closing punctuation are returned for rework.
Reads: **7:45**
